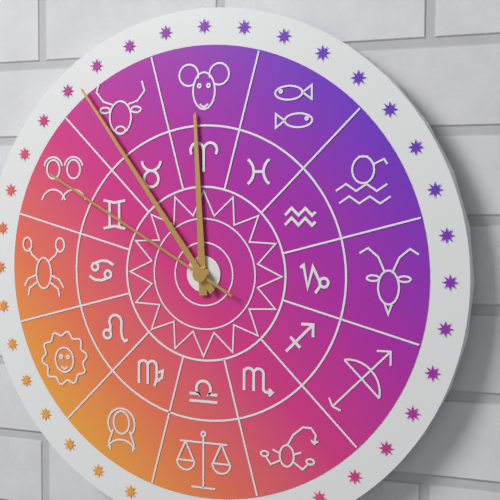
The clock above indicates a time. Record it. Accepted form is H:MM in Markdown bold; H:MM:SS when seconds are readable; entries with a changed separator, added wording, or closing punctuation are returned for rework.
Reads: **11:54:50**
